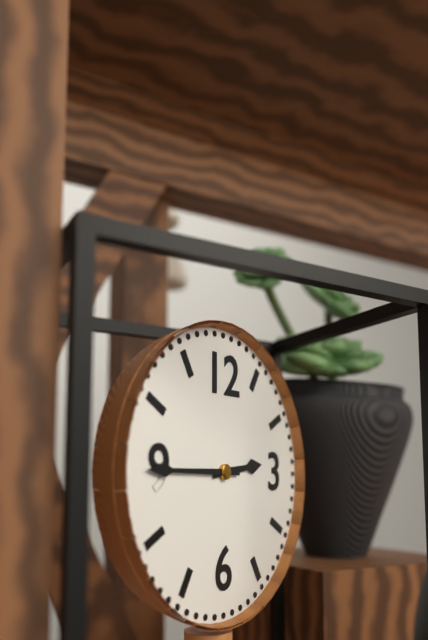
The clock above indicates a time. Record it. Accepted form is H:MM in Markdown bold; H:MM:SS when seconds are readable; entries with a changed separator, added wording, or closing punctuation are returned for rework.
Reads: **2:45**
